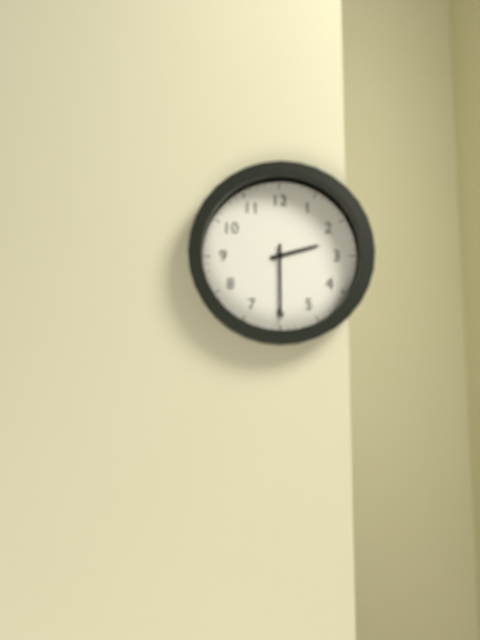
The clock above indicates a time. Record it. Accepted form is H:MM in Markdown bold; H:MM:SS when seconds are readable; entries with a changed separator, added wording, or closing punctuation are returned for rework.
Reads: **2:30**
